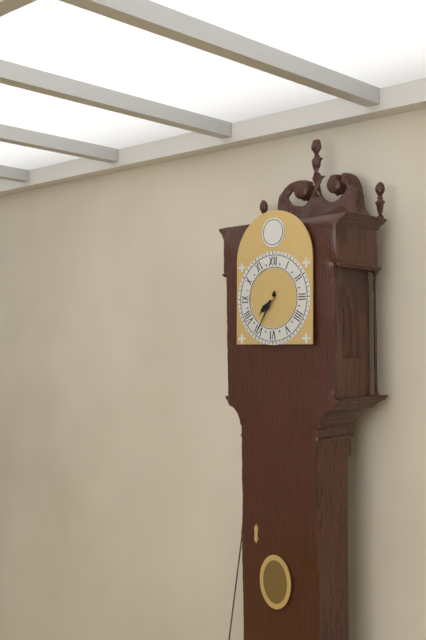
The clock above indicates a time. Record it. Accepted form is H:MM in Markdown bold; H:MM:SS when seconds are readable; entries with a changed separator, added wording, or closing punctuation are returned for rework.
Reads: **7:35**
